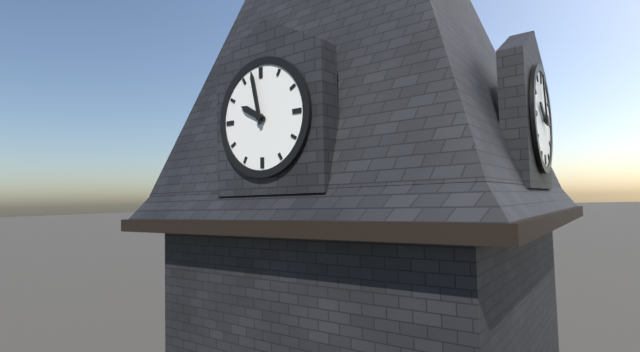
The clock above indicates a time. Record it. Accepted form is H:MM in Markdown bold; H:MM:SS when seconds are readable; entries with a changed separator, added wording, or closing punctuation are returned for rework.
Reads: **9:58**
